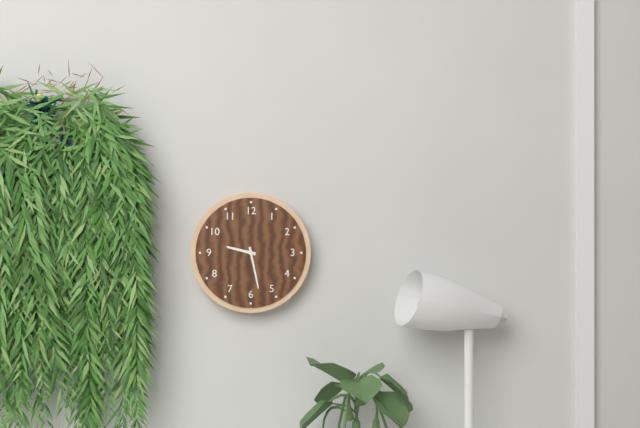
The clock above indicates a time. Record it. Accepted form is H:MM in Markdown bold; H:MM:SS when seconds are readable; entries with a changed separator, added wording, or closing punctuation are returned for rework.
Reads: **9:28**
